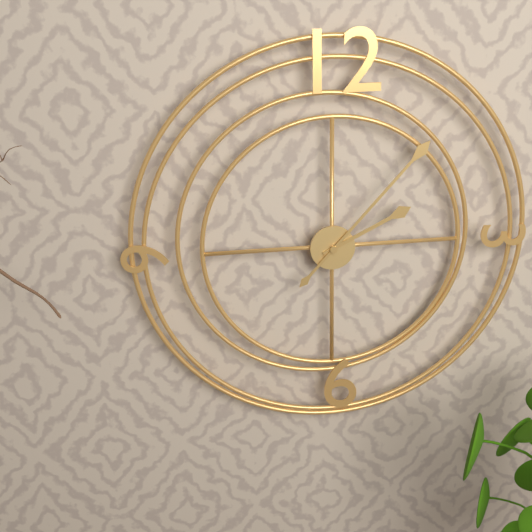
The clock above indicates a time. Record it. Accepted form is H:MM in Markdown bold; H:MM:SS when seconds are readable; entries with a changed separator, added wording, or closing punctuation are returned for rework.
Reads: **2:07**
